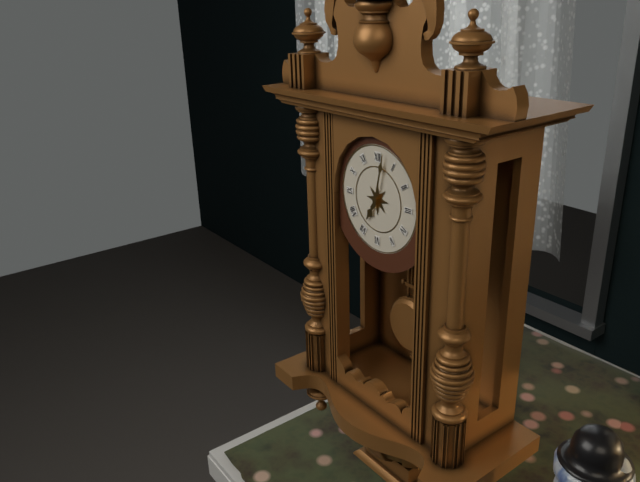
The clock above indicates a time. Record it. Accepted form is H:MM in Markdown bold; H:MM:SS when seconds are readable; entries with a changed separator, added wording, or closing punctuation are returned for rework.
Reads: **7:02**
